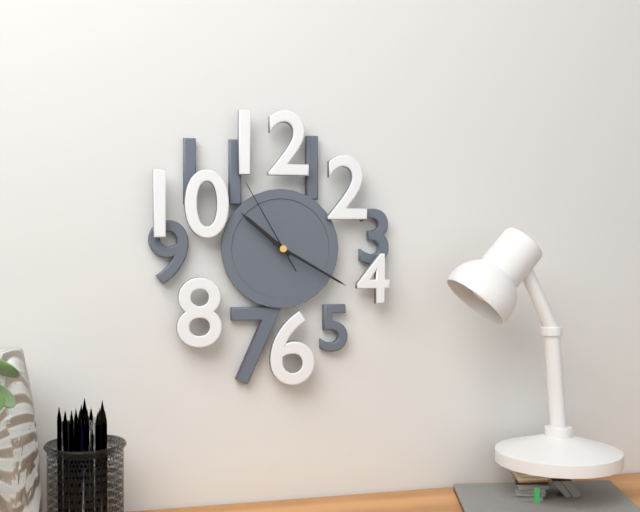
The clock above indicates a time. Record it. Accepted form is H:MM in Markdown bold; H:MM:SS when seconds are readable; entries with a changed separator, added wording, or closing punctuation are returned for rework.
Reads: **10:20:55**
